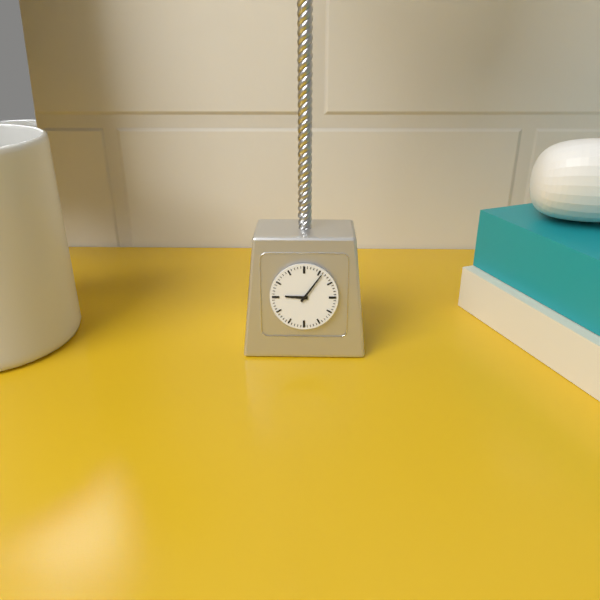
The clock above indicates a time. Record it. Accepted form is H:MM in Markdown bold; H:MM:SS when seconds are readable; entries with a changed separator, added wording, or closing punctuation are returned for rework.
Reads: **9:06**
